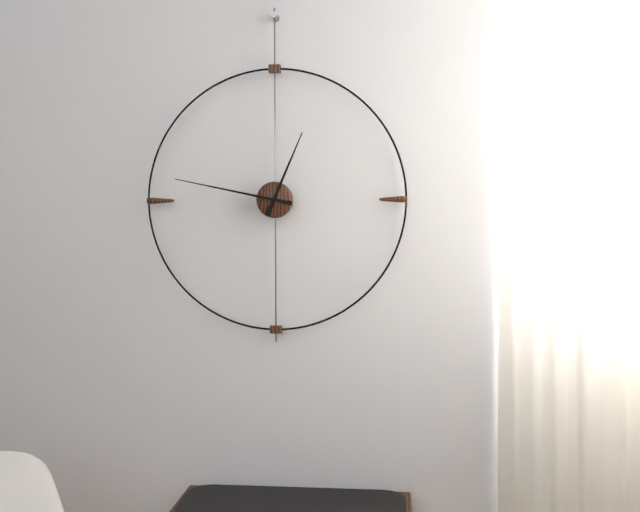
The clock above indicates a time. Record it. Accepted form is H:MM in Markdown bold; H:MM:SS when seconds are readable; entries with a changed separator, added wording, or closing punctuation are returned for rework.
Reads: **12:47**
